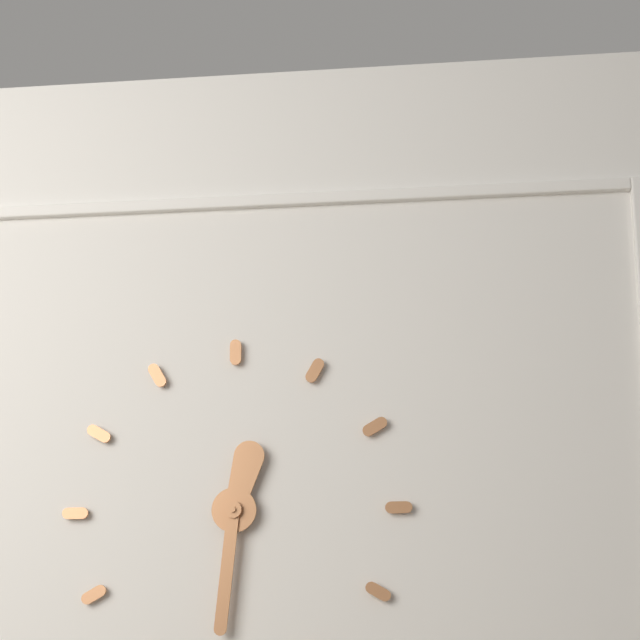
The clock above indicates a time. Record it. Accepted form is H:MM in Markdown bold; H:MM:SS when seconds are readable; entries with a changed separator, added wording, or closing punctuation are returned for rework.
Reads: **12:31**
